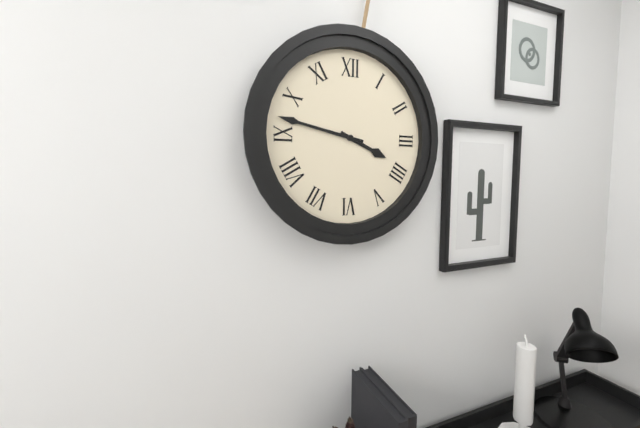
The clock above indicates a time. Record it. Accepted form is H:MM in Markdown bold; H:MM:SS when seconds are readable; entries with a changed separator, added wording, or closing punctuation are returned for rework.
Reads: **3:47**
